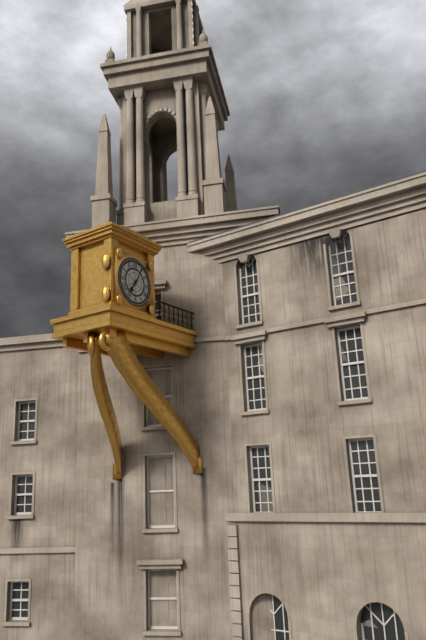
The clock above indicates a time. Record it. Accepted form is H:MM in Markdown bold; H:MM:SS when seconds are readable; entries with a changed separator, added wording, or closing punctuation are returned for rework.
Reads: **7:05**
